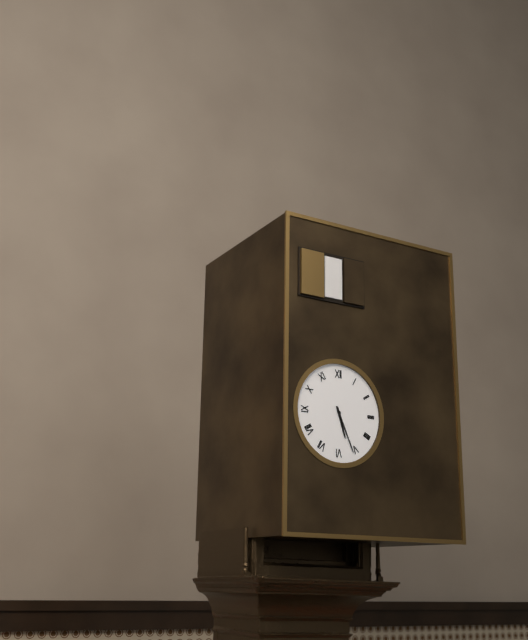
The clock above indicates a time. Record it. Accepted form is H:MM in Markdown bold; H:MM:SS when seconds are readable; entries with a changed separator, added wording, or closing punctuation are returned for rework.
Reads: **5:26**
